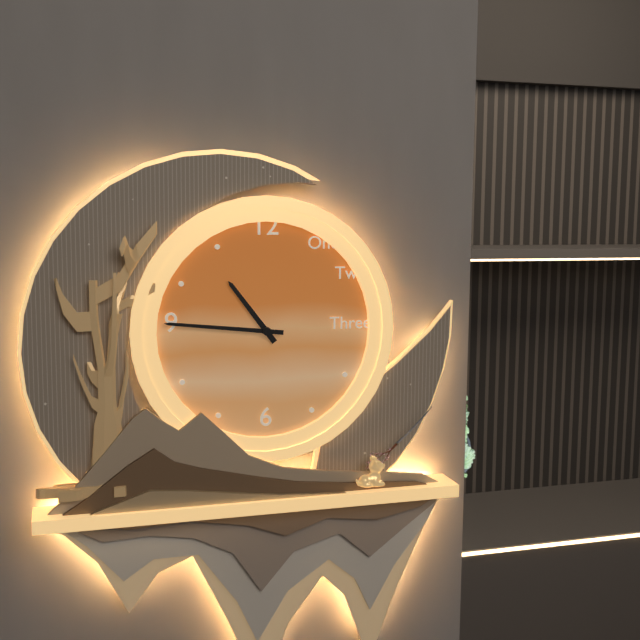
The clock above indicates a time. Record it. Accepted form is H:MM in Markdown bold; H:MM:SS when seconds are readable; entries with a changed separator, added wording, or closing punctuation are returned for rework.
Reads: **10:46**
